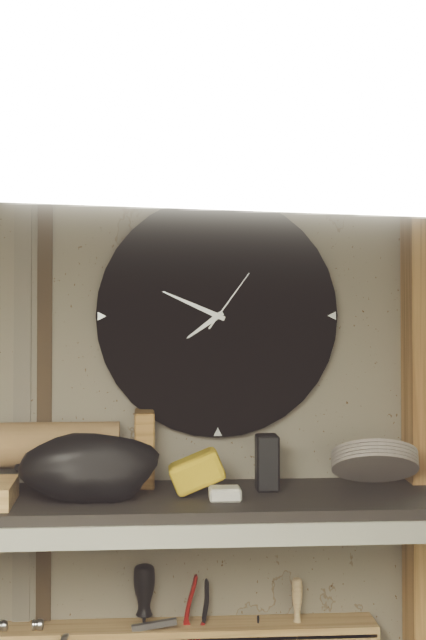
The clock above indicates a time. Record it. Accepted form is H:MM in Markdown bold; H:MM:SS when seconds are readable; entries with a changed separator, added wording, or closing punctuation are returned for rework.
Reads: **7:49:06**
